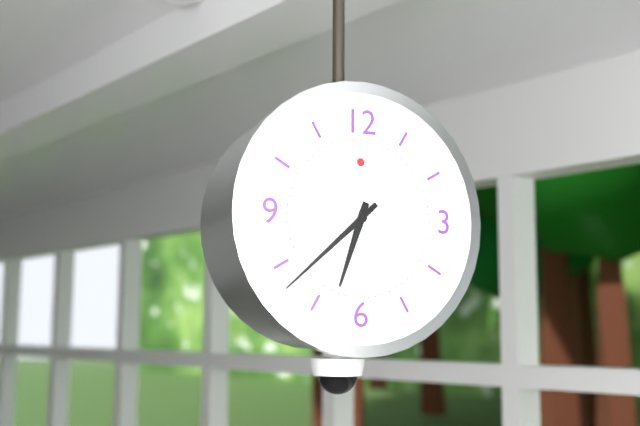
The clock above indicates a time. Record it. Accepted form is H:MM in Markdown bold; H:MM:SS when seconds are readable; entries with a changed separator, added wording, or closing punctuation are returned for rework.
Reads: **6:38**
